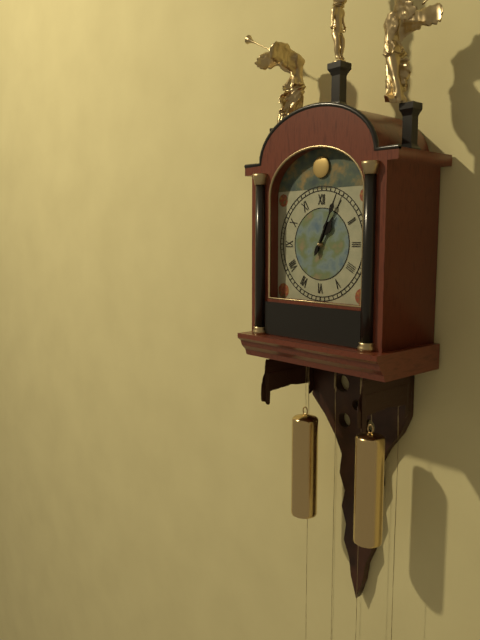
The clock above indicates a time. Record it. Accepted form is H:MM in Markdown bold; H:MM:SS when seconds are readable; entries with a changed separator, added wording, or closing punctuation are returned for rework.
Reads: **1:04**
